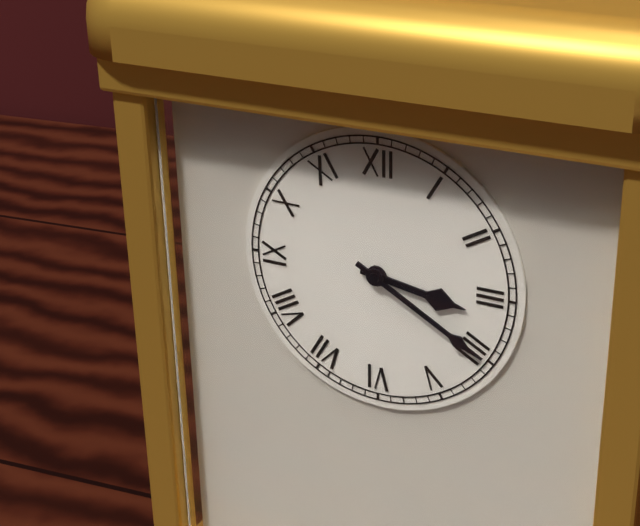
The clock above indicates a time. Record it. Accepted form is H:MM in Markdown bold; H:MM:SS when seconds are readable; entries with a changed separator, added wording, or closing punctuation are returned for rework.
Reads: **3:20**
